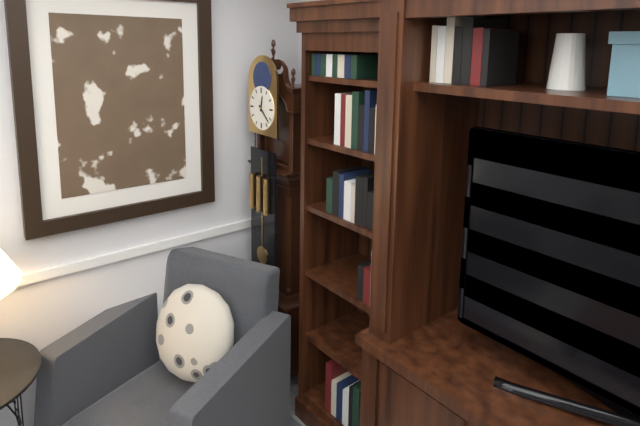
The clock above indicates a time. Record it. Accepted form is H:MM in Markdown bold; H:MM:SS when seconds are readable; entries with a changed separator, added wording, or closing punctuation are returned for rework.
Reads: **12:22**
